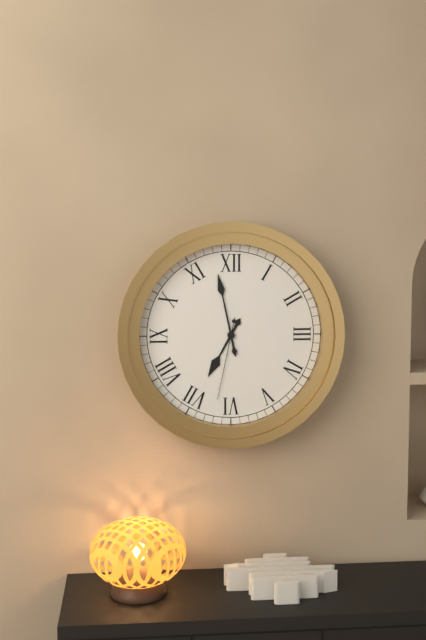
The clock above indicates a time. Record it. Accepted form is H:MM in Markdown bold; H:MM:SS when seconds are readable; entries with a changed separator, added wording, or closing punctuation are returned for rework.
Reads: **6:58:32**
